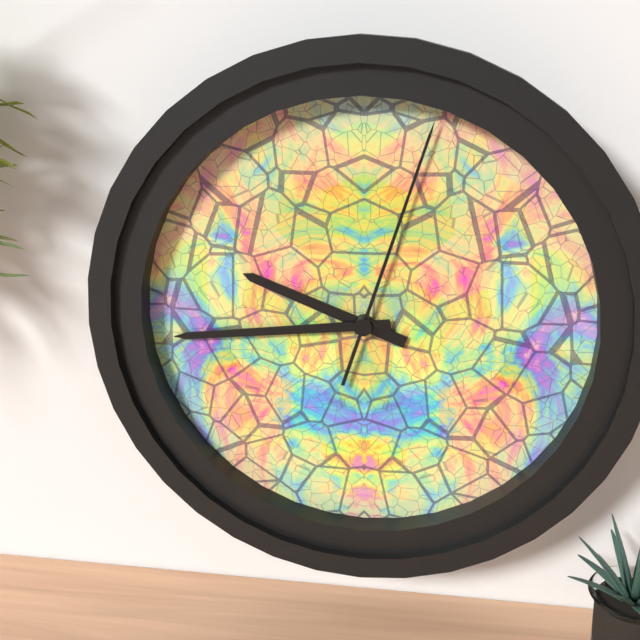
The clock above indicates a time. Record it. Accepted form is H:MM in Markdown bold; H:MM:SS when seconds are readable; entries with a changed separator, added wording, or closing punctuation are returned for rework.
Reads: **9:44:03**
